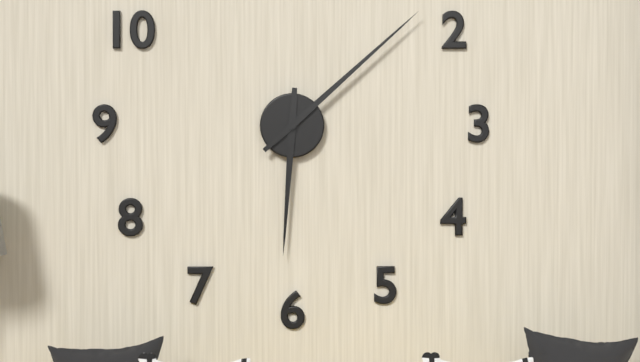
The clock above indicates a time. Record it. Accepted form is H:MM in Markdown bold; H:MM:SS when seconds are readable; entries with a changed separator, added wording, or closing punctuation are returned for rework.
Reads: **6:08**
